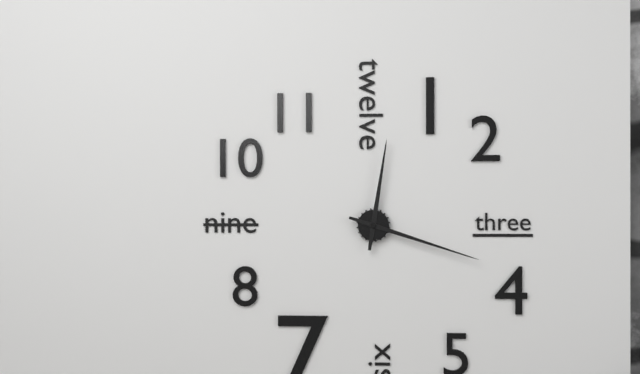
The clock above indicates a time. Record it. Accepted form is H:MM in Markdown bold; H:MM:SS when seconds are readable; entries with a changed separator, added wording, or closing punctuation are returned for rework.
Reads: **12:18**
